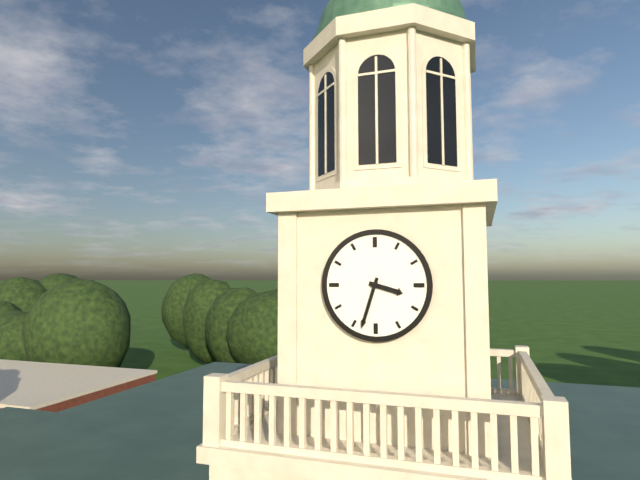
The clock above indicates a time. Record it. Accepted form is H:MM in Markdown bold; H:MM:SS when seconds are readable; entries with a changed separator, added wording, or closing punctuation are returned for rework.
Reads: **3:33**
